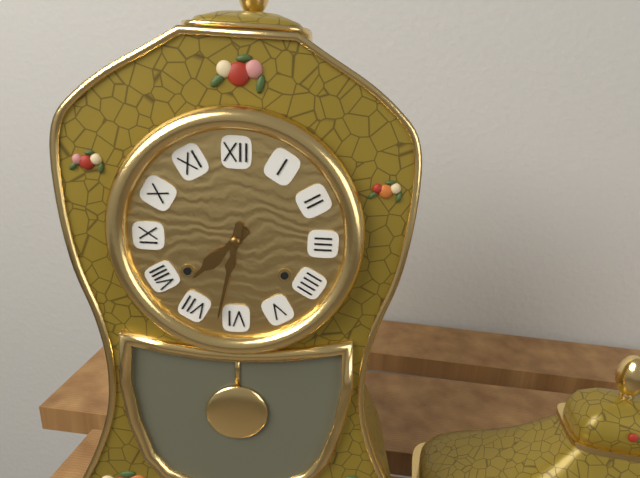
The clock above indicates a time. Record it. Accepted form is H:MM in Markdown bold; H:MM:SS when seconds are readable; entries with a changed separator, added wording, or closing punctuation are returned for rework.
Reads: **7:32**
